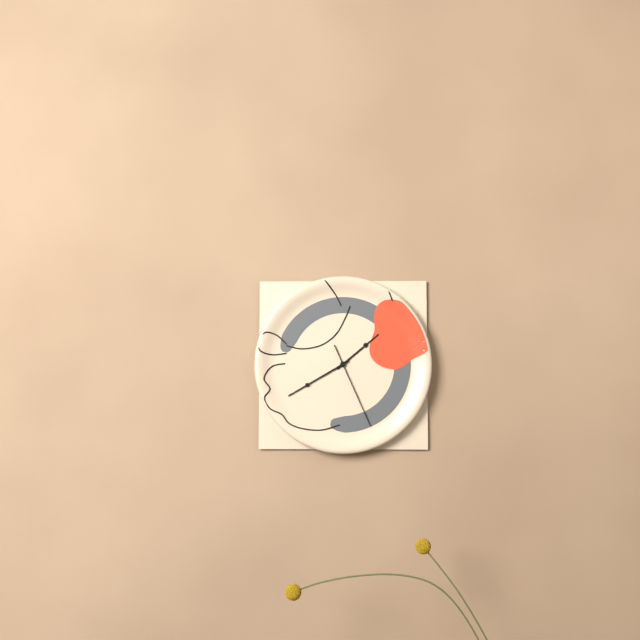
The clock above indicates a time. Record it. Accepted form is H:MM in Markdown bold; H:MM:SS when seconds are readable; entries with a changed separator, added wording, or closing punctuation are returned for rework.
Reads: **1:40:26**
